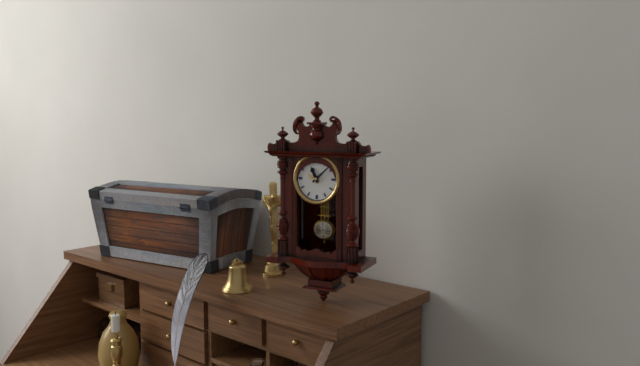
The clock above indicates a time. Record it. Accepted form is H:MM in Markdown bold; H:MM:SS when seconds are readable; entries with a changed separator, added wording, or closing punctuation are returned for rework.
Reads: **11:08**
